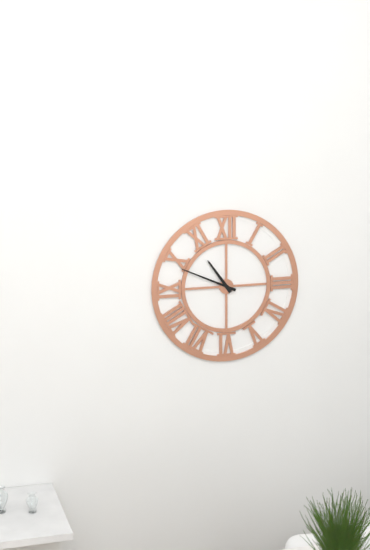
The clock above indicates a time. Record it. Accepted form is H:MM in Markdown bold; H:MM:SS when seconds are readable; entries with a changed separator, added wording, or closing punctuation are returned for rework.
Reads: **10:49**
